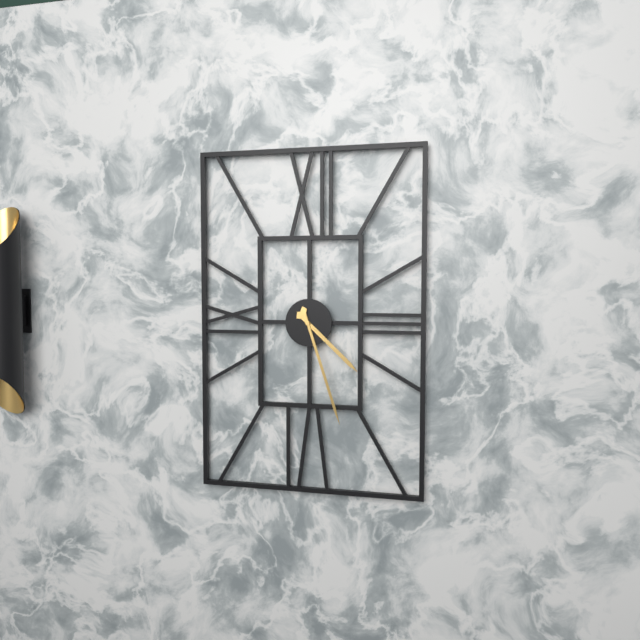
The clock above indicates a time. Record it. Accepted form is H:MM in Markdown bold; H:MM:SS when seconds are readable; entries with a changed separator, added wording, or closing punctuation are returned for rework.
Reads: **4:27**
